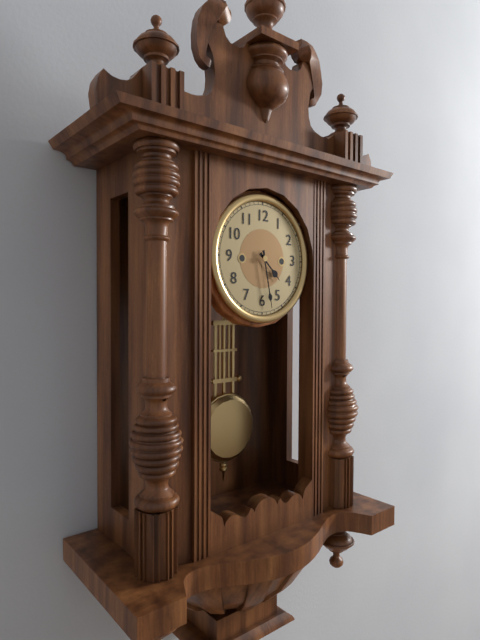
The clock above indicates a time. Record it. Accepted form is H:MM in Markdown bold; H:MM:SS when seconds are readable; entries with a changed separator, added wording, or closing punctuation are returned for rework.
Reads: **4:28**
